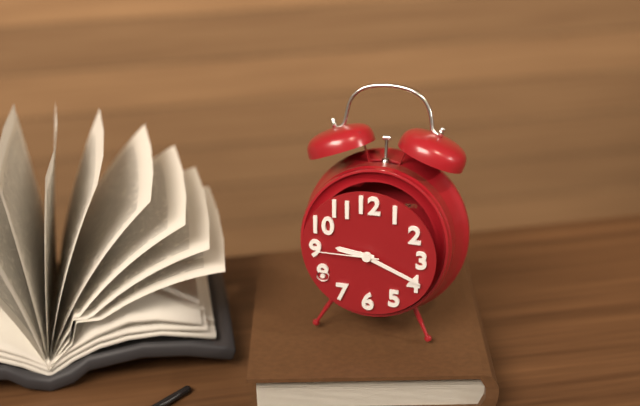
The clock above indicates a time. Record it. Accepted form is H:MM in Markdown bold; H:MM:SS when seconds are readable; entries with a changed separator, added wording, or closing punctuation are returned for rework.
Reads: **9:19:45**
